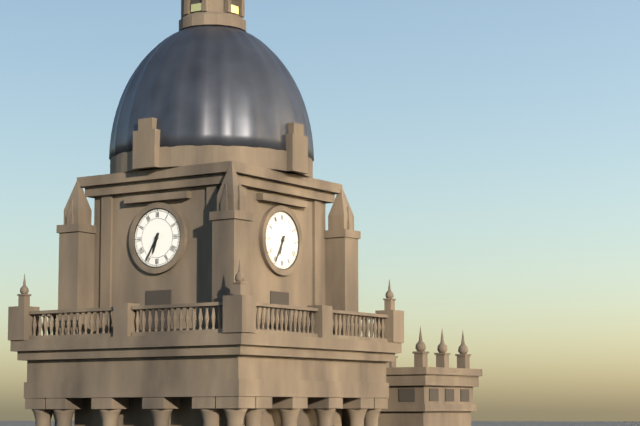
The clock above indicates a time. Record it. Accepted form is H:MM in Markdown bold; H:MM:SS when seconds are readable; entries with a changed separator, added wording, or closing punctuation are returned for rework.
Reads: **6:35**
